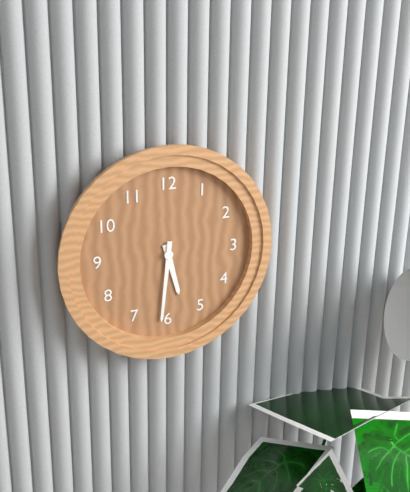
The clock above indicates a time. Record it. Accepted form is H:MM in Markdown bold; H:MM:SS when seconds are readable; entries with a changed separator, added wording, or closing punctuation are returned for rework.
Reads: **5:31**
